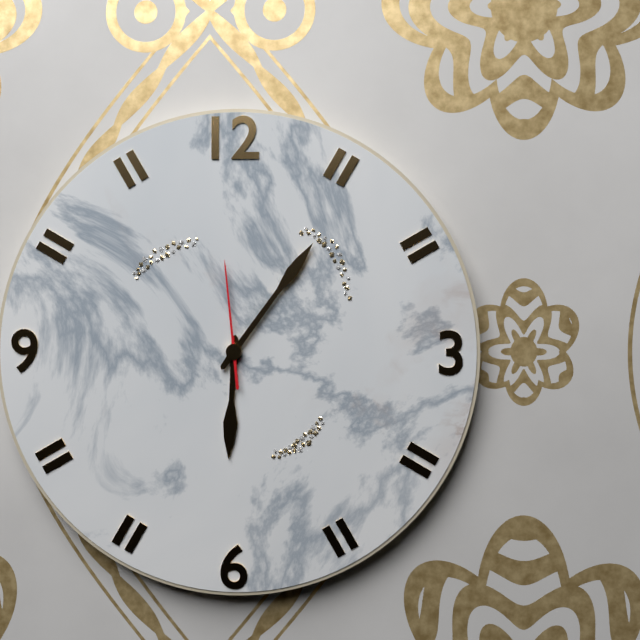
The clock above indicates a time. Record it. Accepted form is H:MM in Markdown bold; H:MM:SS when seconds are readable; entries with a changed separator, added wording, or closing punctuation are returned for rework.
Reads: **6:06:59**
